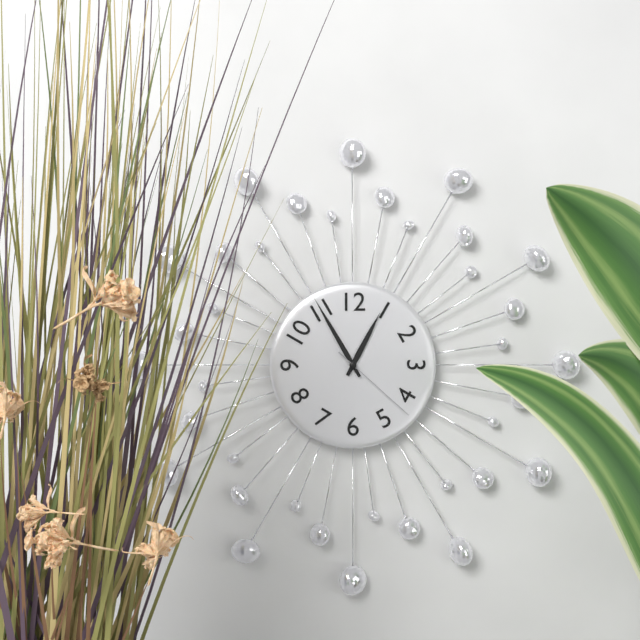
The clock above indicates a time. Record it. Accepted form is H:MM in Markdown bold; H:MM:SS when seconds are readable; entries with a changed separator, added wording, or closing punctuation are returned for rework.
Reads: **12:55:22**
